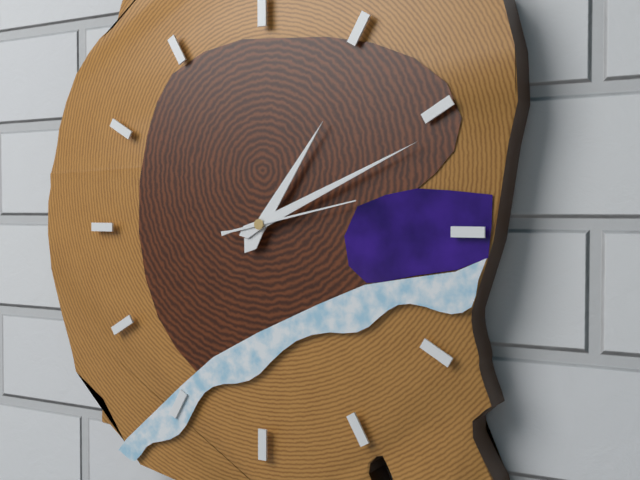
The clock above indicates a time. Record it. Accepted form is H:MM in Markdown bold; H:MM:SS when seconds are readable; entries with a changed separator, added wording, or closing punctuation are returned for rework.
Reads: **1:11:13**
